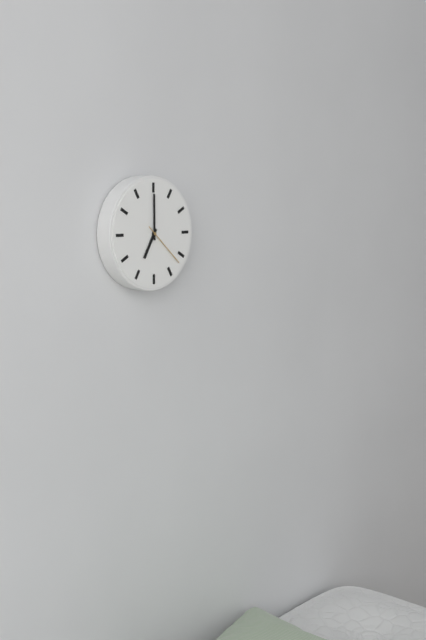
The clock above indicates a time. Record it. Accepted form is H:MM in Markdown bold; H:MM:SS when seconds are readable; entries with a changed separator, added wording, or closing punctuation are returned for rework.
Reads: **7:00**
